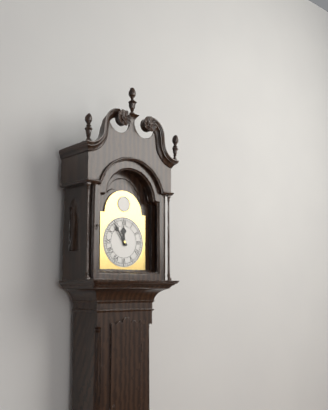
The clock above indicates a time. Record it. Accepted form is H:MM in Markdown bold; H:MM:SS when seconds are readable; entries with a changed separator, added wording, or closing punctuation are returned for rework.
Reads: **11:54**
